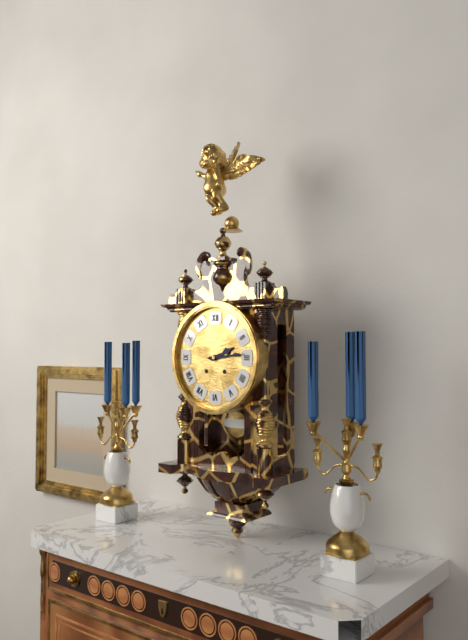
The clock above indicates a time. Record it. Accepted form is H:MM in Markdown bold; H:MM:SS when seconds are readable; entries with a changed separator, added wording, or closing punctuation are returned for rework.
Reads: **2:14**
